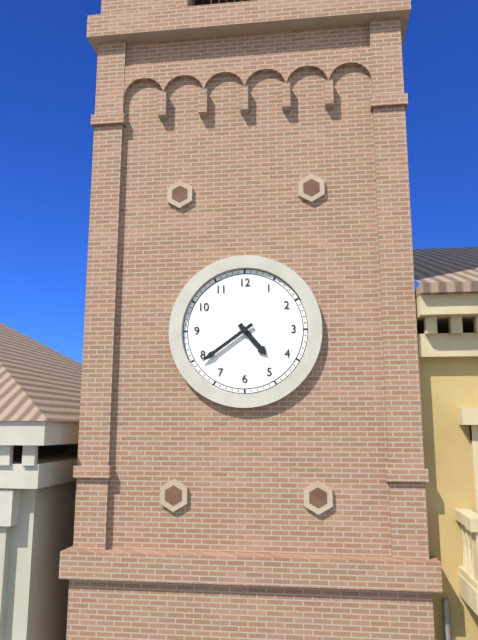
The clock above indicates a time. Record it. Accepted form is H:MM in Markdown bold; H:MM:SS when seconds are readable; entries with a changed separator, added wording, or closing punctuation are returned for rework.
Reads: **4:39**
